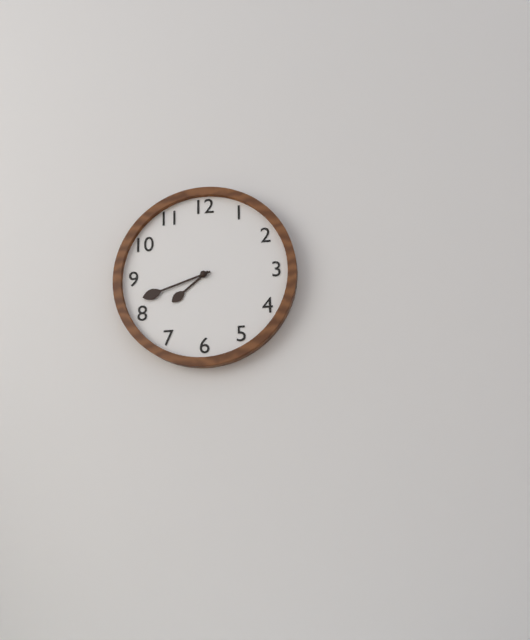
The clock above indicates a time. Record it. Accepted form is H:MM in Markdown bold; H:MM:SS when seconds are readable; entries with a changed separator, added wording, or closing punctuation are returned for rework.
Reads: **7:42**
